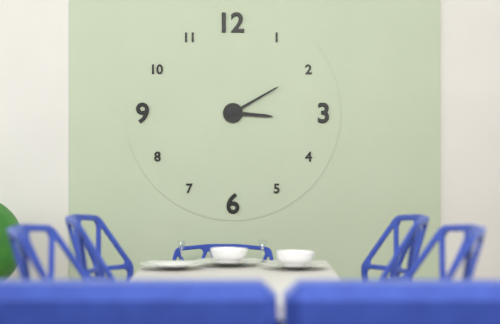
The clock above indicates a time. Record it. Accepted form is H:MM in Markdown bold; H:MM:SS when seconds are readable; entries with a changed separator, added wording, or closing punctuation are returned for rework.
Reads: **3:10**
